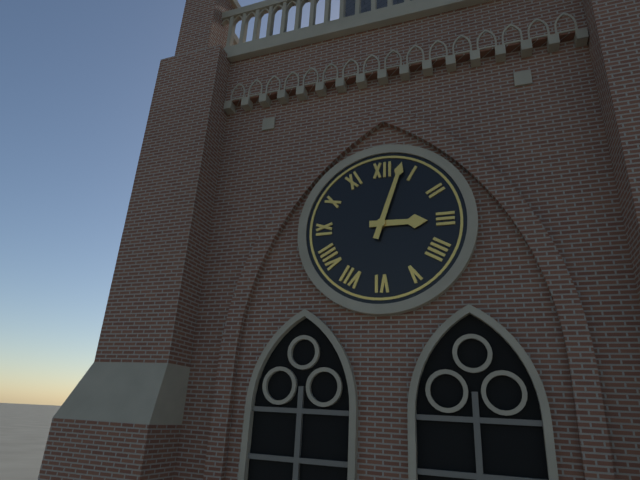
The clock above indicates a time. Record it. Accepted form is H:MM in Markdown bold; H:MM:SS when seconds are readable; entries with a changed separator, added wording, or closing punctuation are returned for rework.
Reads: **3:03**
